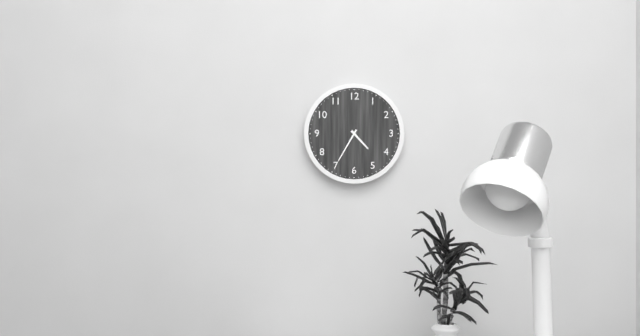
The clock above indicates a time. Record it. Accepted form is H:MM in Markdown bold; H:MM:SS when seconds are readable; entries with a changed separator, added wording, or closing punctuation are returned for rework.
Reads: **4:35**
